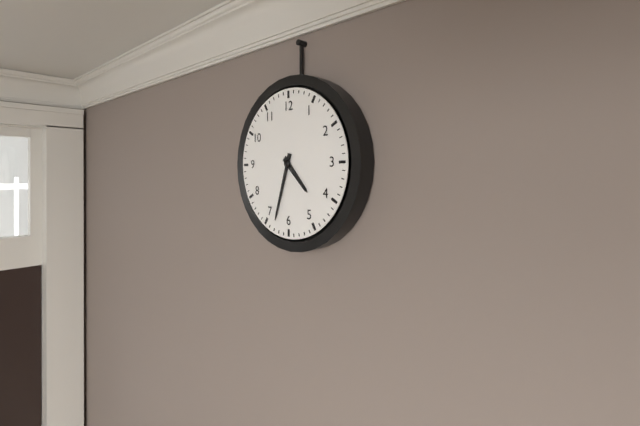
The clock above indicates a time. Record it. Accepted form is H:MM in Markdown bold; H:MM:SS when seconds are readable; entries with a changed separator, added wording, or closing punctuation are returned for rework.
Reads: **4:33**
